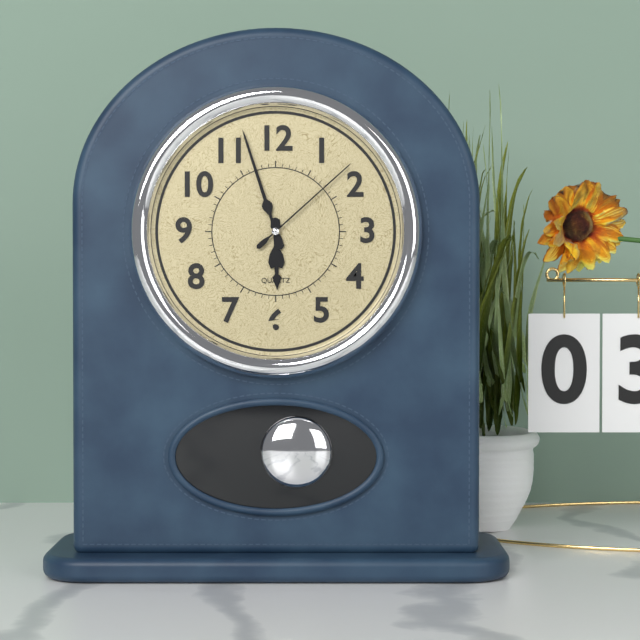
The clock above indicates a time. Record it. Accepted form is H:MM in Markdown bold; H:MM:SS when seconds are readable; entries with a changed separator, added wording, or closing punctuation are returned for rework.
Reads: **5:57:08**
